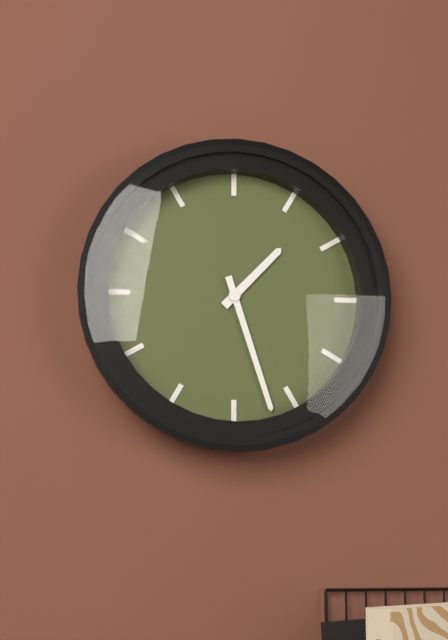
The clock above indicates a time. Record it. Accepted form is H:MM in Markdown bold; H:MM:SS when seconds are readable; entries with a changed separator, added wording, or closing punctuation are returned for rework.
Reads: **1:27**
